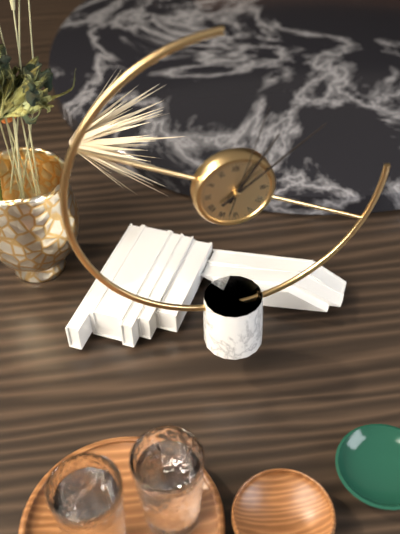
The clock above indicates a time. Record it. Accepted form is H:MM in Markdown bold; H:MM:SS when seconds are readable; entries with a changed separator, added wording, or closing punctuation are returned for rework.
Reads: **1:09:03**
